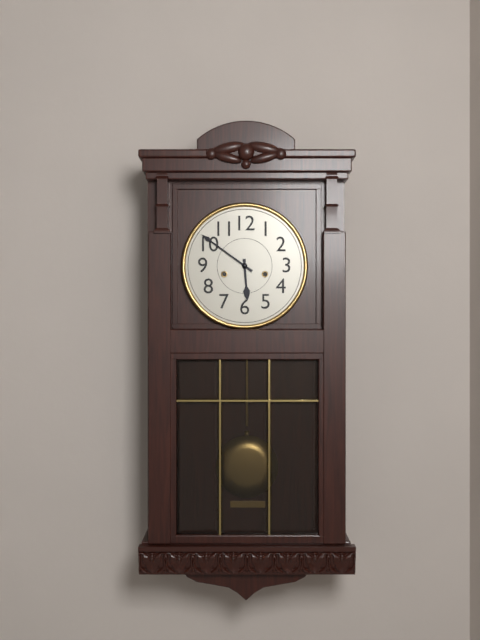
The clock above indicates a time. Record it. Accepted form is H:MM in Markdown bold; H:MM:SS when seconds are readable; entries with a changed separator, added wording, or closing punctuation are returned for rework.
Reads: **5:51**
